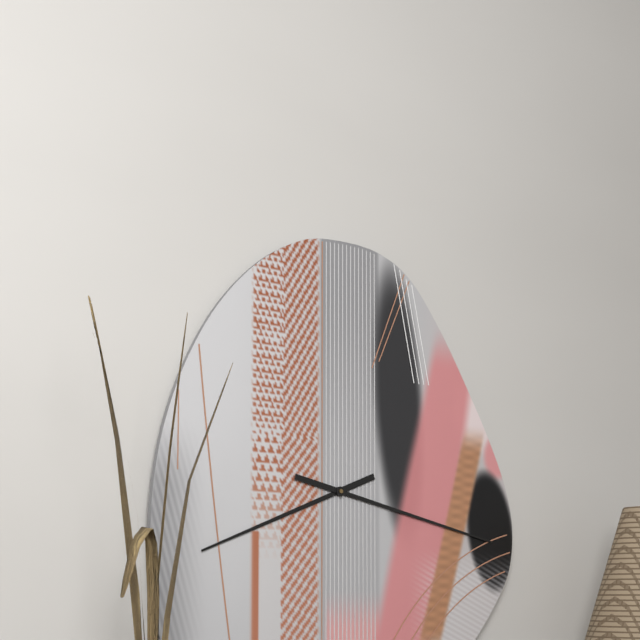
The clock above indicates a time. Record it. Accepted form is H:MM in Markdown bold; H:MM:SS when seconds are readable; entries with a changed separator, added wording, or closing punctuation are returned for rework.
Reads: **8:17**
